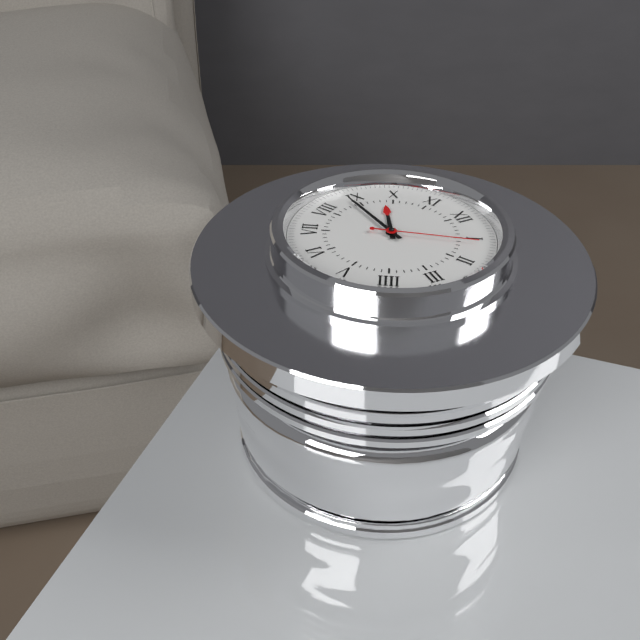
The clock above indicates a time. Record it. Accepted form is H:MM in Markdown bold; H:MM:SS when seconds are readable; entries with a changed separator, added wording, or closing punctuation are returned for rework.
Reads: **9:44:06**
